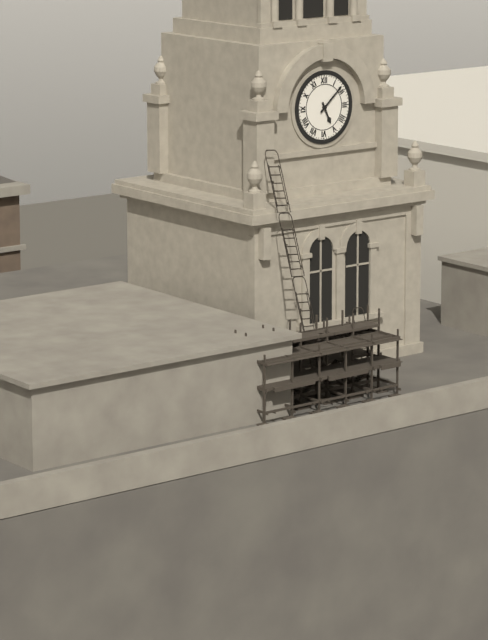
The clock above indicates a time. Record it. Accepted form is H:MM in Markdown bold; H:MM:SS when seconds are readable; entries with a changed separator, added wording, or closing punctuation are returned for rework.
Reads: **5:08**
